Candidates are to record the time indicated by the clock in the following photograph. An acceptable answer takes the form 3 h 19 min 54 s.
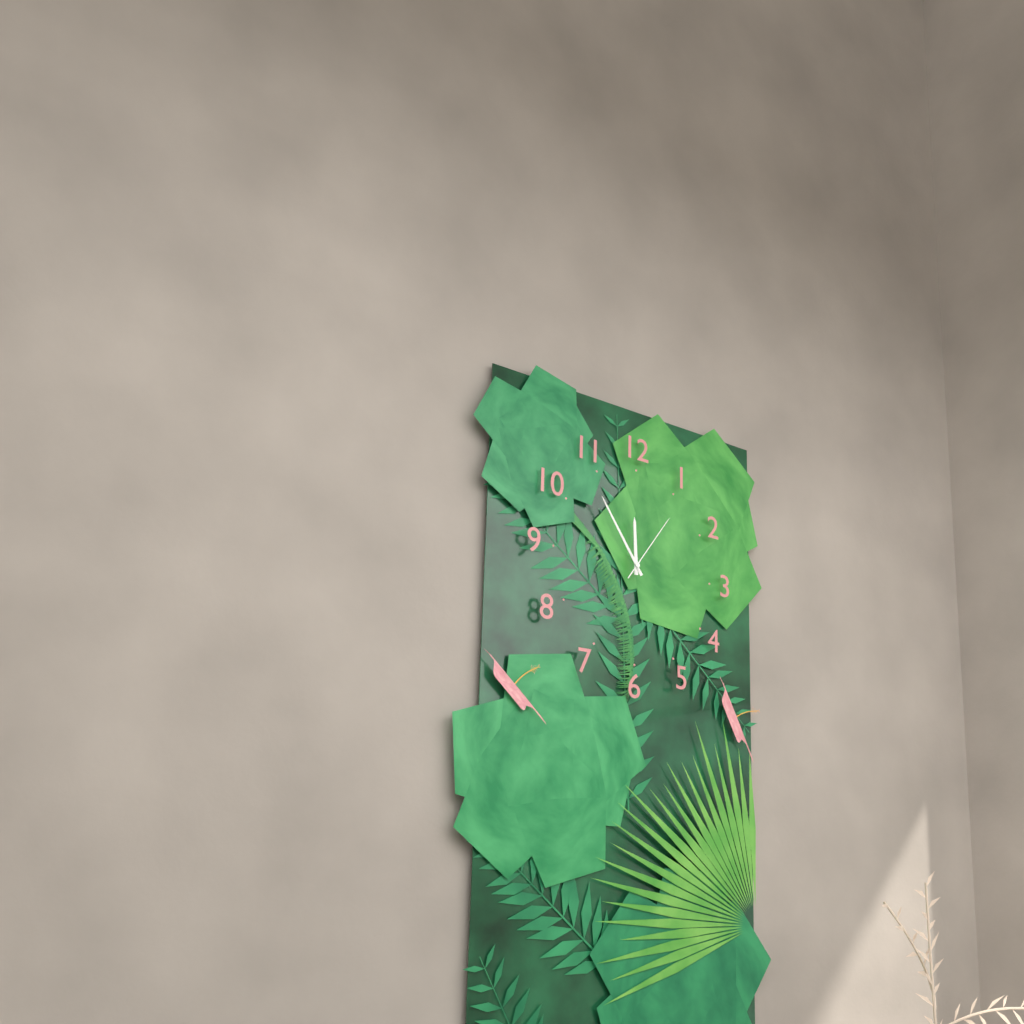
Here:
11 h 54 min 06 s
